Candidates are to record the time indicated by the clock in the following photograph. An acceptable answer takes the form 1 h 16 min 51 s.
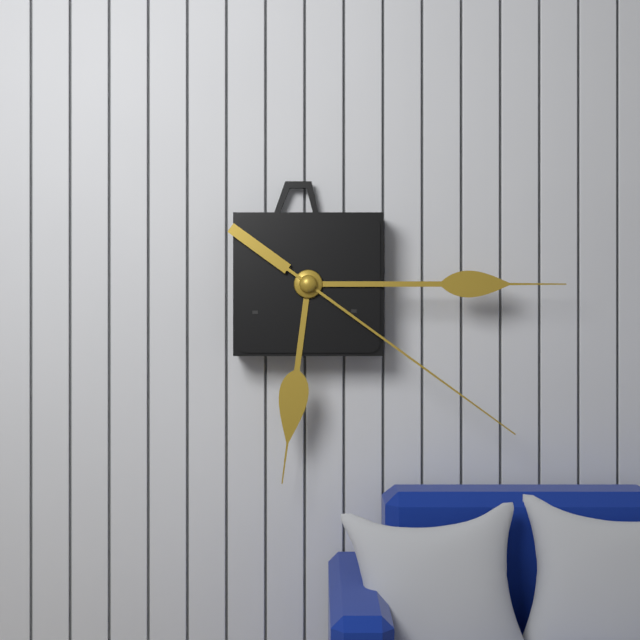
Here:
6 h 15 min 21 s
